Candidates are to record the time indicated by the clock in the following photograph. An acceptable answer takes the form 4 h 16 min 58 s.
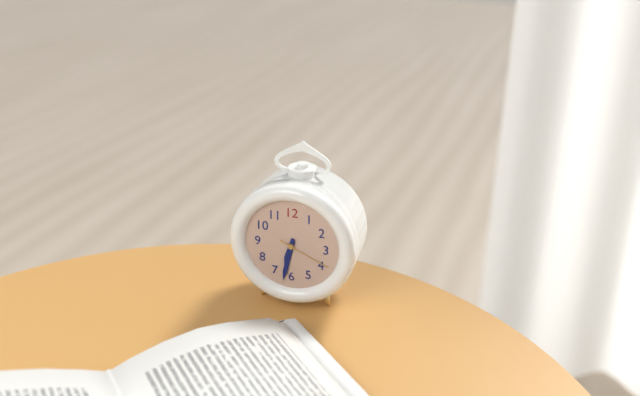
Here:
6 h 32 min 19 s
